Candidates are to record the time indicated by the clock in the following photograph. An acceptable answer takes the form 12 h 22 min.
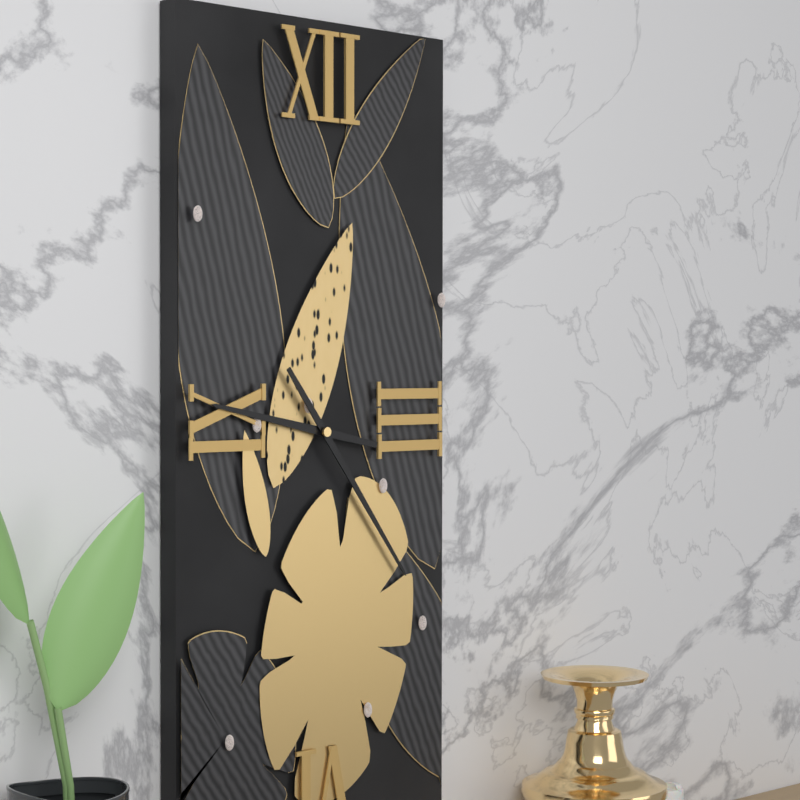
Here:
9 h 24 min
